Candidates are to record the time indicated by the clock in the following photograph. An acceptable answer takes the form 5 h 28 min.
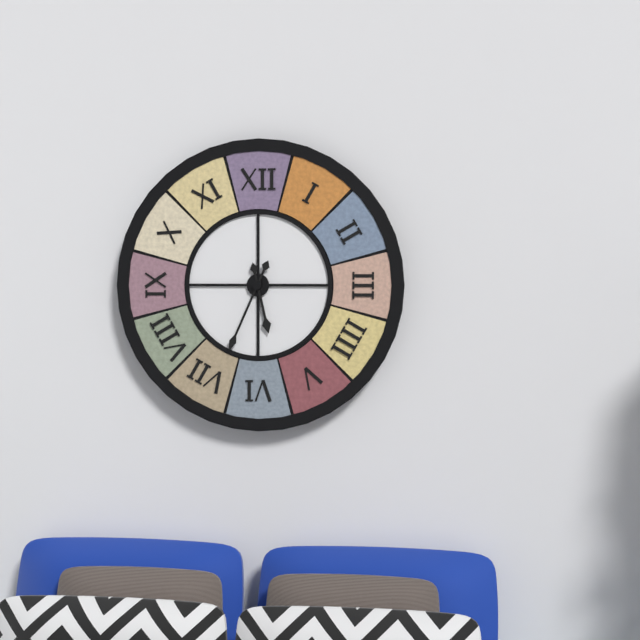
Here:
5 h 34 min
